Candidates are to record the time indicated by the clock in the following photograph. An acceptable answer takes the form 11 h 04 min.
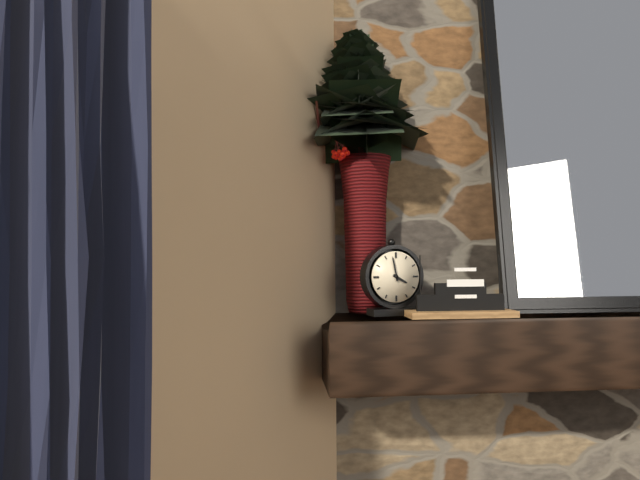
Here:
3 h 58 min
